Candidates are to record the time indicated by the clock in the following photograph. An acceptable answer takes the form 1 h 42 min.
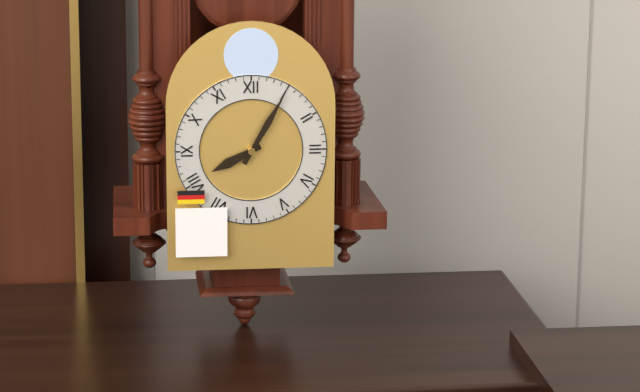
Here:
8 h 05 min
